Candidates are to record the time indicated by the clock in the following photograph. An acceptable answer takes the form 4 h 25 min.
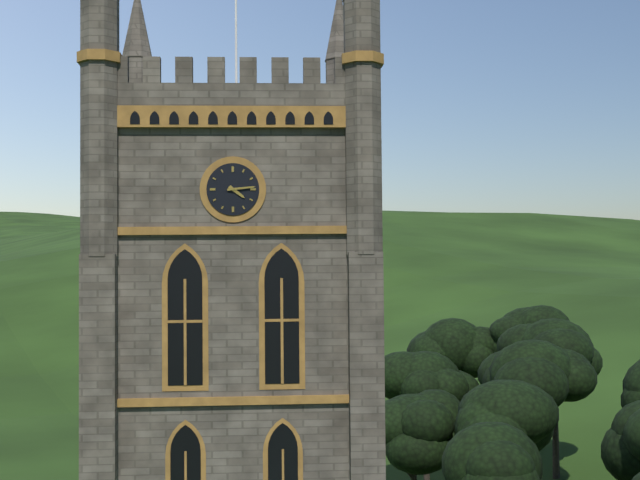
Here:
4 h 14 min
